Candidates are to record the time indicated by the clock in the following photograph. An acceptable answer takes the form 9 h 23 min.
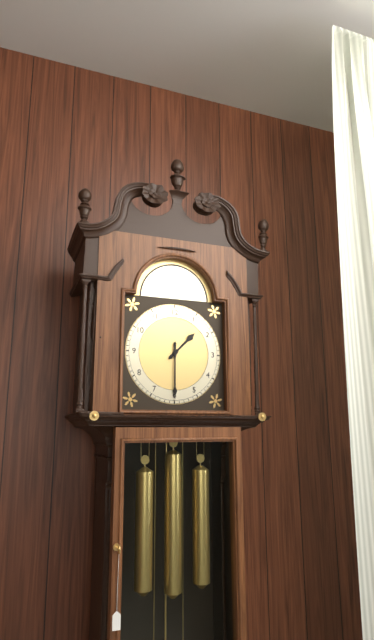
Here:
1 h 30 min
